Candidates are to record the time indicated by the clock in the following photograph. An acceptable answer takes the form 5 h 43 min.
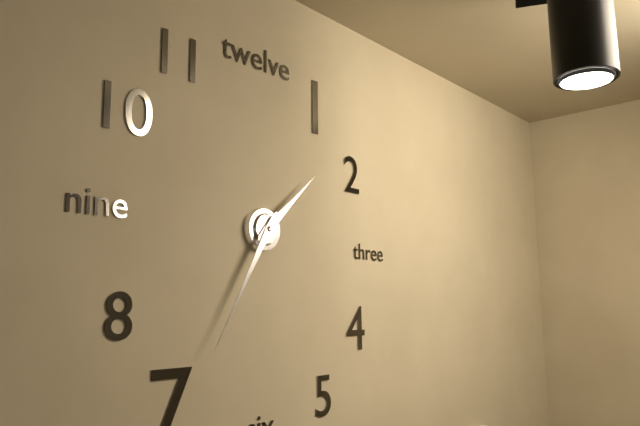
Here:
1 h 35 min
